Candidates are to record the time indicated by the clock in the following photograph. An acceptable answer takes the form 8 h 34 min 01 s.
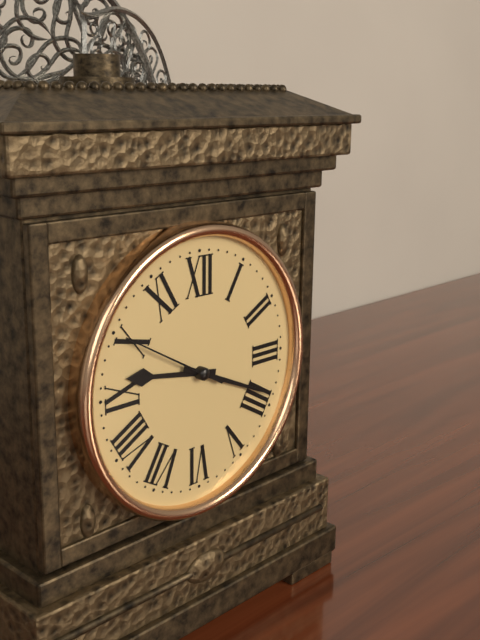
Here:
9 h 19 min 50 s
